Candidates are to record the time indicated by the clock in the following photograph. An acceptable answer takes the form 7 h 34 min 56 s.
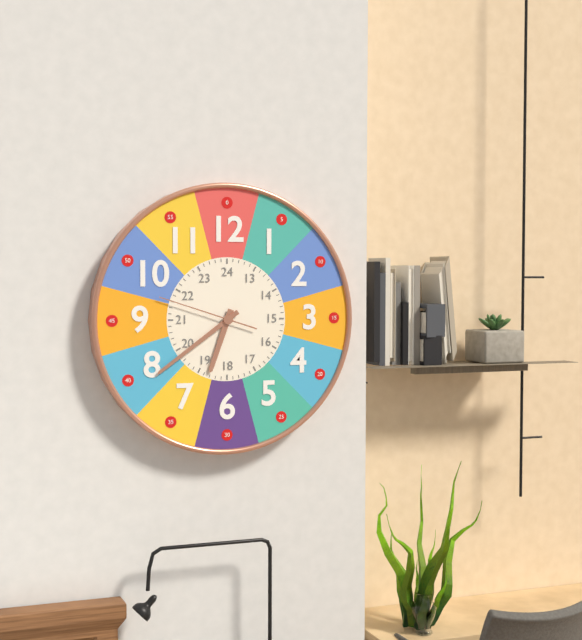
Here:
6 h 39 min 48 s
